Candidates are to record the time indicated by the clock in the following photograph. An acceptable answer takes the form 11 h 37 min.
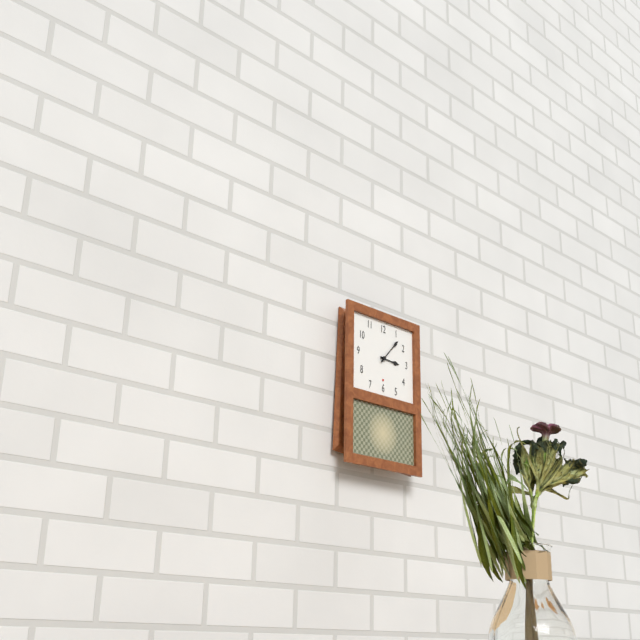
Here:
3 h 07 min
